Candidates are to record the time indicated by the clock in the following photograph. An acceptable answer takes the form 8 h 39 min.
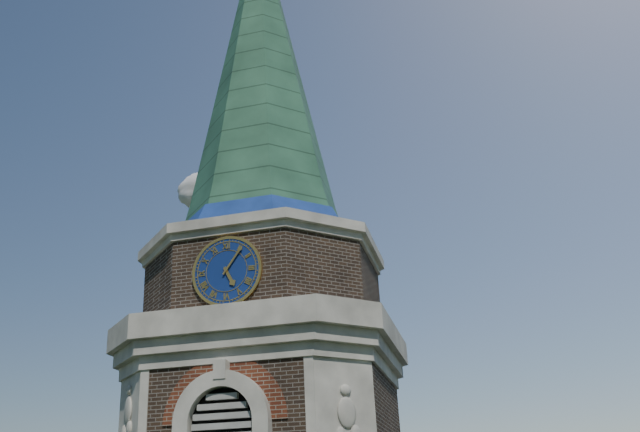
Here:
5 h 06 min
